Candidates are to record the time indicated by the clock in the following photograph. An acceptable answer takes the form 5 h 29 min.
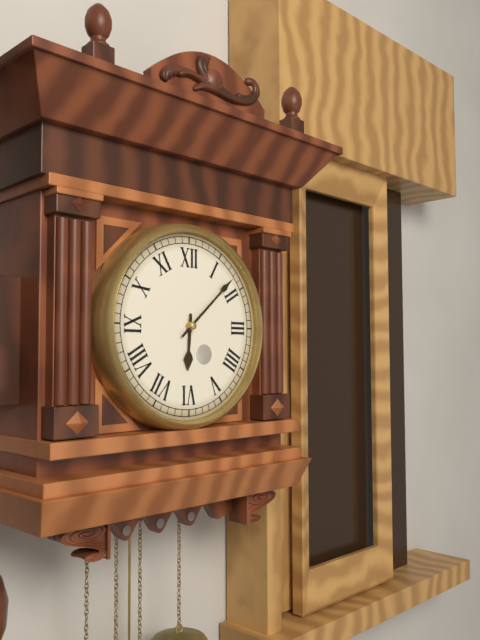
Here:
6 h 08 min
